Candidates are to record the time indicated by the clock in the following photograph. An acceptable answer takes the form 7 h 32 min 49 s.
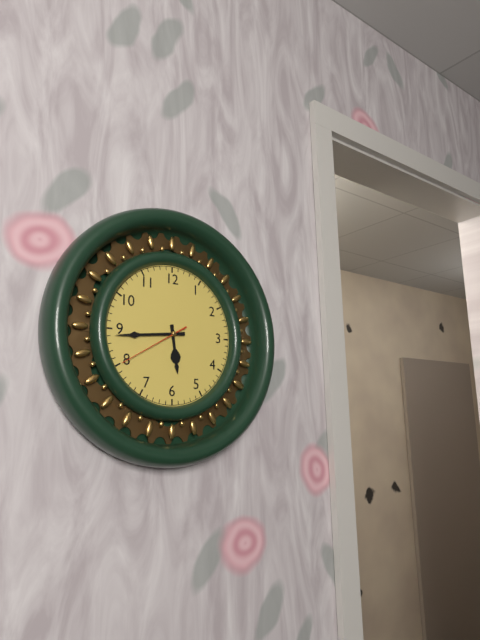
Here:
5 h 44 min 40 s
